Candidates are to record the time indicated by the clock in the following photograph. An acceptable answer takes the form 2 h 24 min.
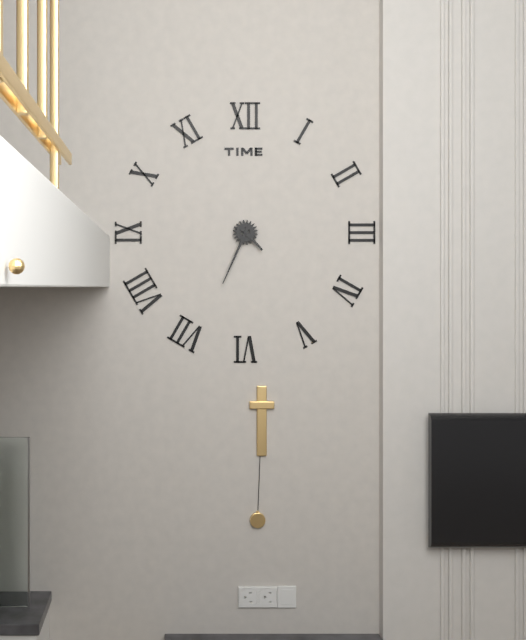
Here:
4 h 34 min
